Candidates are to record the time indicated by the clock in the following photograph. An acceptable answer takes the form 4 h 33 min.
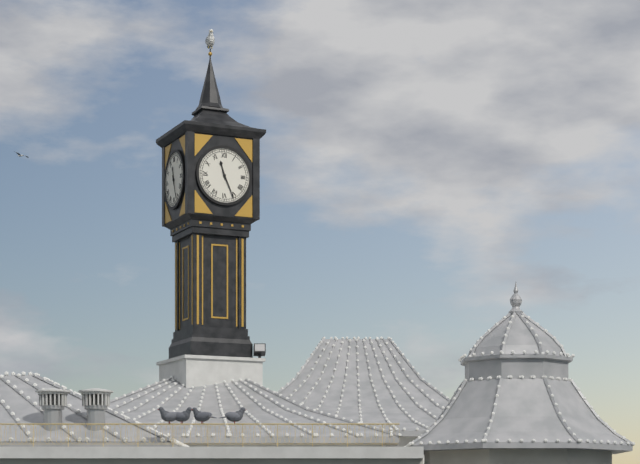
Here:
11 h 26 min
